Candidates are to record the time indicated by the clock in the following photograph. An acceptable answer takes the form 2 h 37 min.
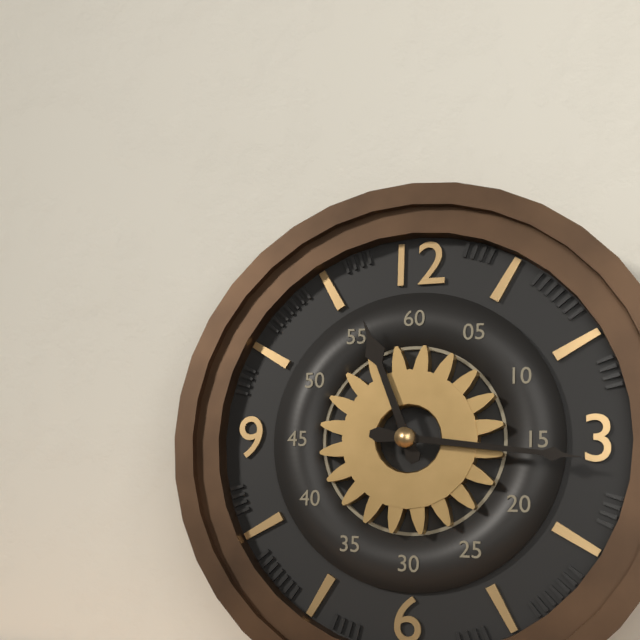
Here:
11 h 16 min
